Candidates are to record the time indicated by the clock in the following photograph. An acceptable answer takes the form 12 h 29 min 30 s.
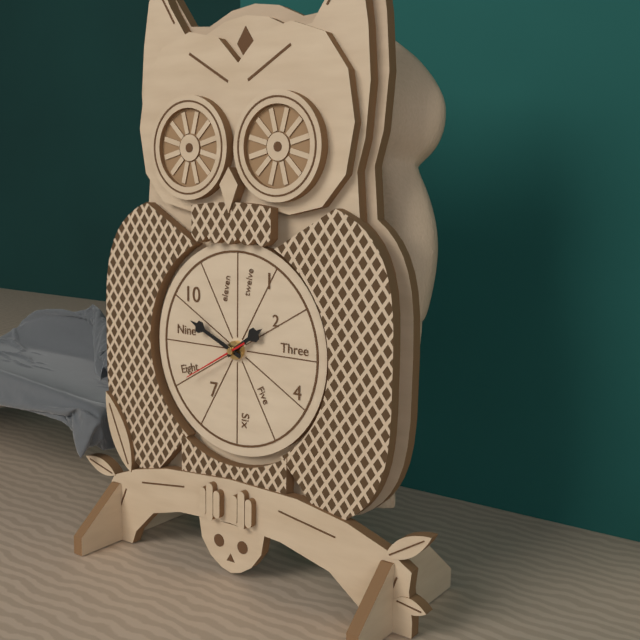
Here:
1 h 49 min 40 s
